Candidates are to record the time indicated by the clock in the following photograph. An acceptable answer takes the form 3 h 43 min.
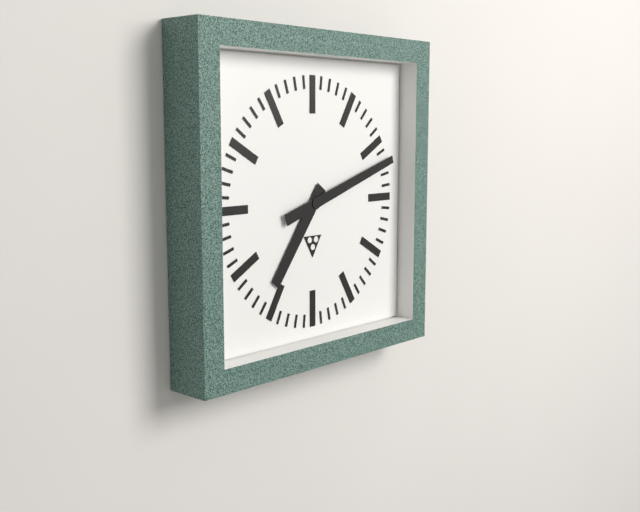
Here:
7 h 12 min
